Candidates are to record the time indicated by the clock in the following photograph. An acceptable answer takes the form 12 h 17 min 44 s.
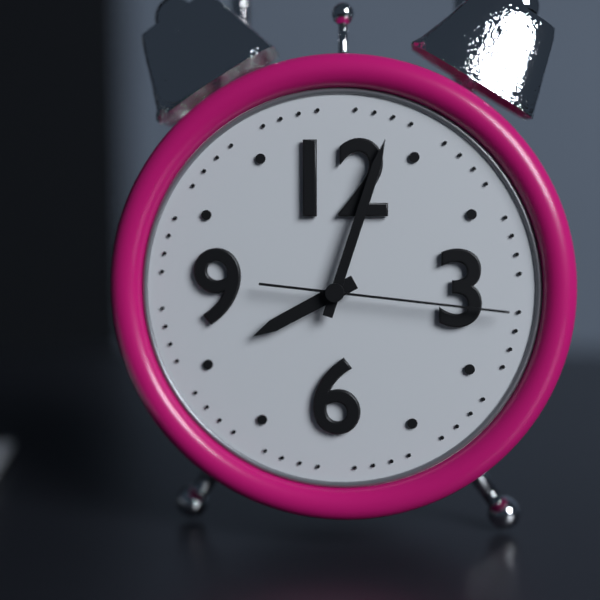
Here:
8 h 03 min 16 s
